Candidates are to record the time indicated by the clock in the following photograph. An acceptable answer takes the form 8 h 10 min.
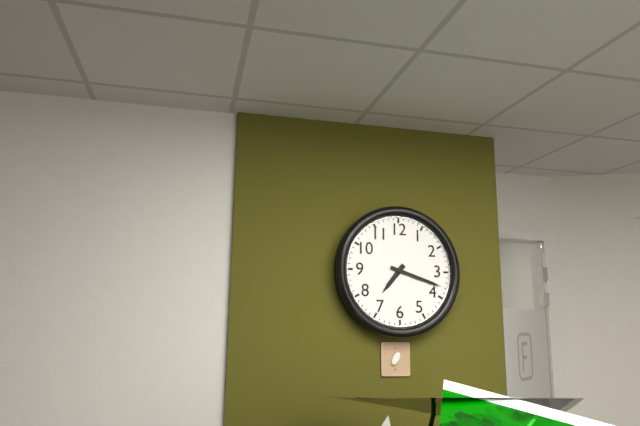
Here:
7 h 18 min
